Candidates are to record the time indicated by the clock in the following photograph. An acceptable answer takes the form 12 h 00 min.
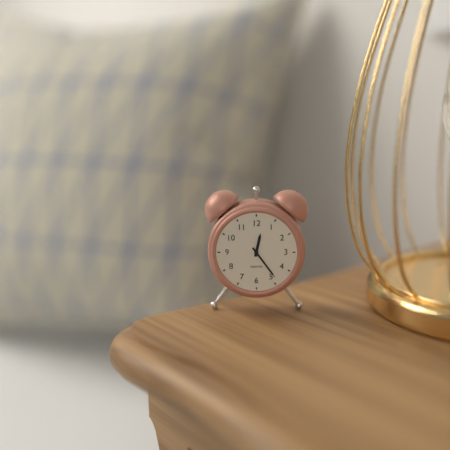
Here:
12 h 24 min
